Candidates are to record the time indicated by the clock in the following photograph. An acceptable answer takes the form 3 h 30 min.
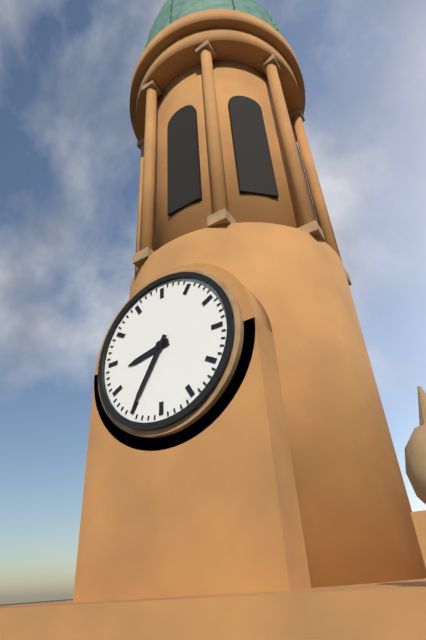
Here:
8 h 35 min
